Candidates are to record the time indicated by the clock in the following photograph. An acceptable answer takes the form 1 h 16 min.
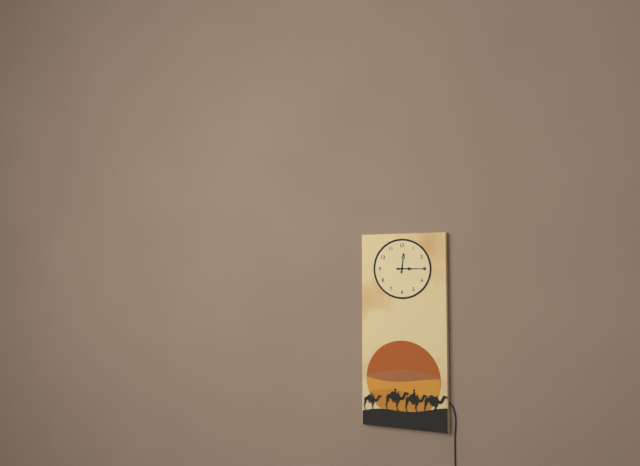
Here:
12 h 15 min
